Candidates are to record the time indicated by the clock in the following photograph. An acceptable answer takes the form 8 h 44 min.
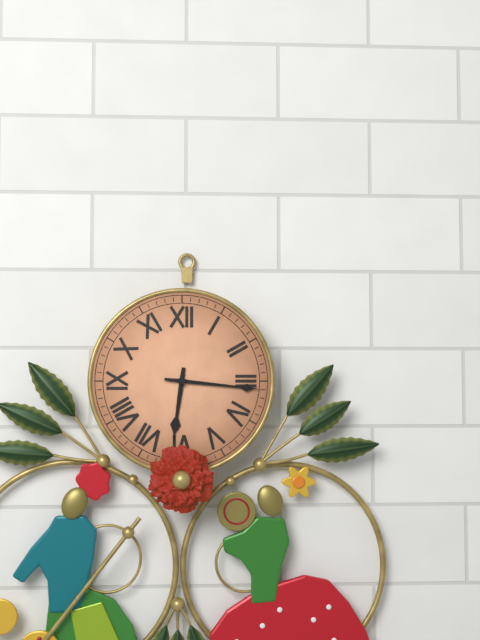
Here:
6 h 16 min
